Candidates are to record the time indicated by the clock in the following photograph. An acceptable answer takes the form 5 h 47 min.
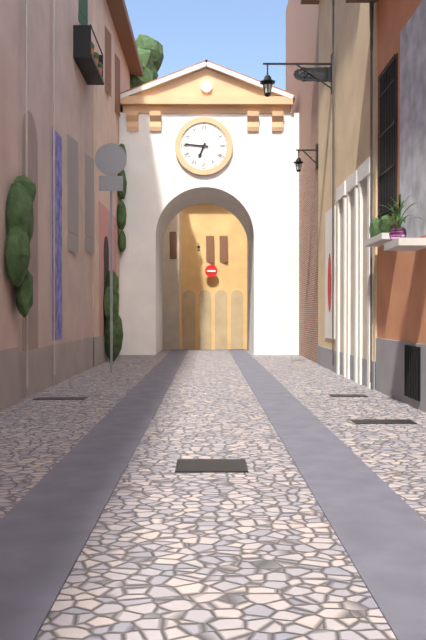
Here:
6 h 46 min
